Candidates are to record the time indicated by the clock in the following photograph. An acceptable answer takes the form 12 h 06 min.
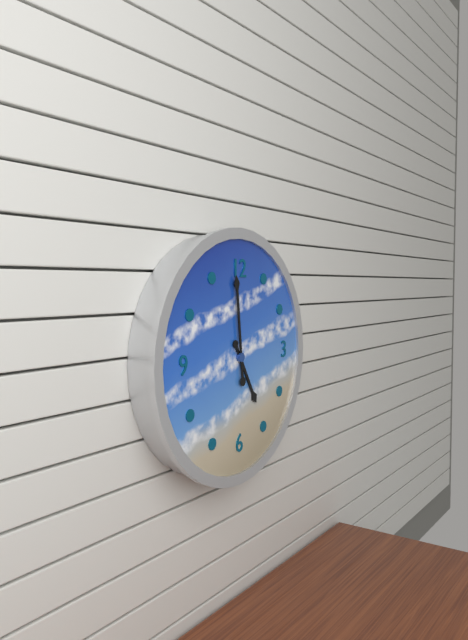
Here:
4 h 59 min
